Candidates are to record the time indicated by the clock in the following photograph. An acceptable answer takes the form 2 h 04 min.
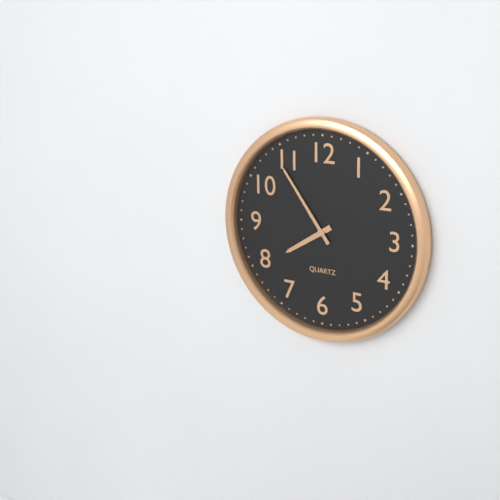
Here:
7 h 54 min
